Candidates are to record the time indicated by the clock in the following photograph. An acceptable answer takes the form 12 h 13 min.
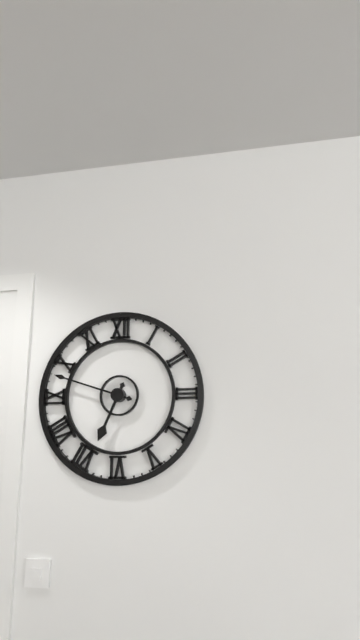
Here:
6 h 48 min
